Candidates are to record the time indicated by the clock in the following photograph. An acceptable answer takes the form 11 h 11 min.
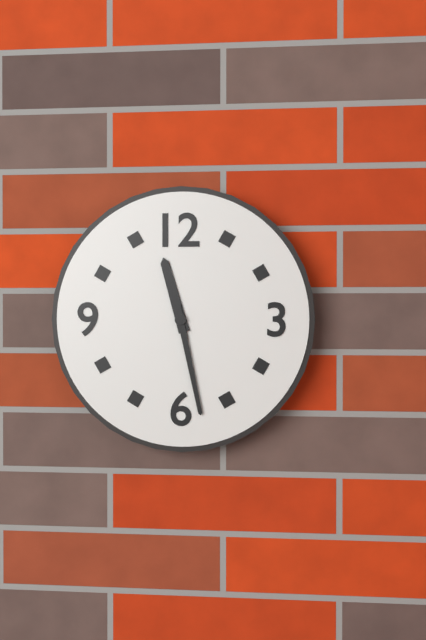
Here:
11 h 28 min
